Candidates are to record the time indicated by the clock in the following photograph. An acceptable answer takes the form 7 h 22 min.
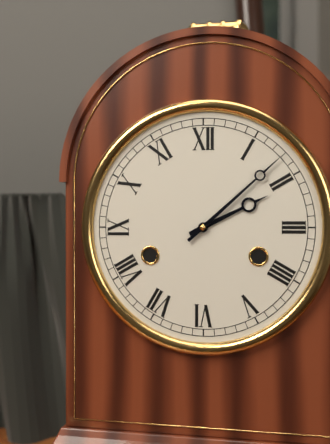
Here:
2 h 08 min
